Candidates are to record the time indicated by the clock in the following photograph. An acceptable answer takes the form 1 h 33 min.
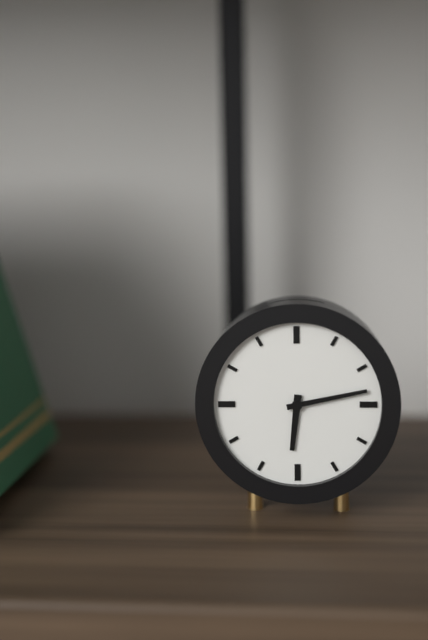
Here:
6 h 13 min
